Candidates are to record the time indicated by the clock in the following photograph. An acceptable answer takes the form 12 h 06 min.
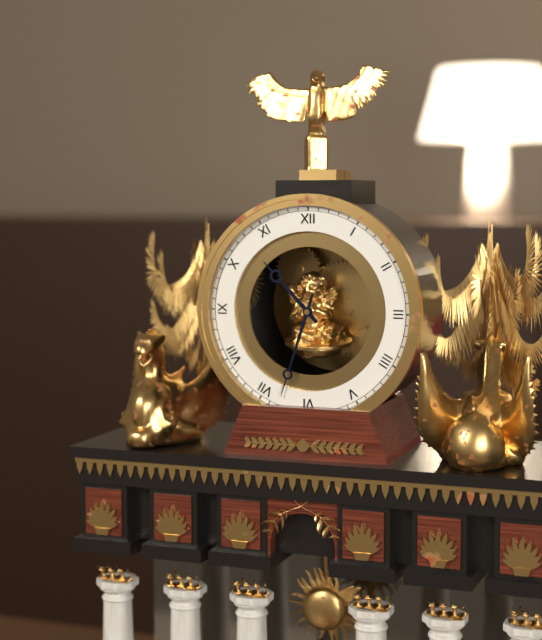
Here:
10 h 33 min
